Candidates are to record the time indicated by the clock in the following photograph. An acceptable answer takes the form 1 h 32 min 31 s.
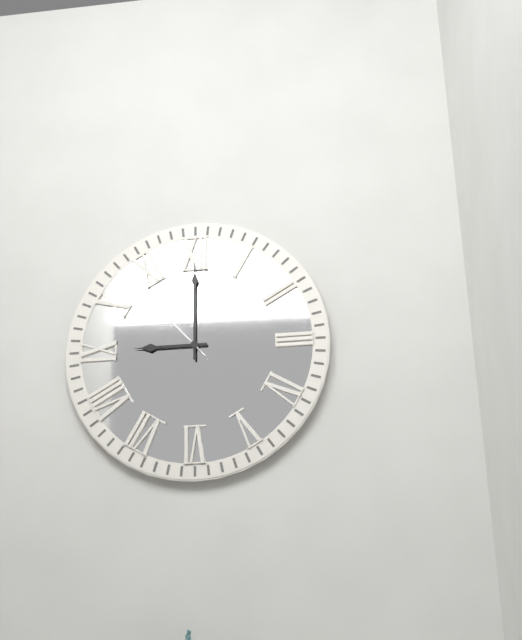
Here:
9 h 00 min 53 s
